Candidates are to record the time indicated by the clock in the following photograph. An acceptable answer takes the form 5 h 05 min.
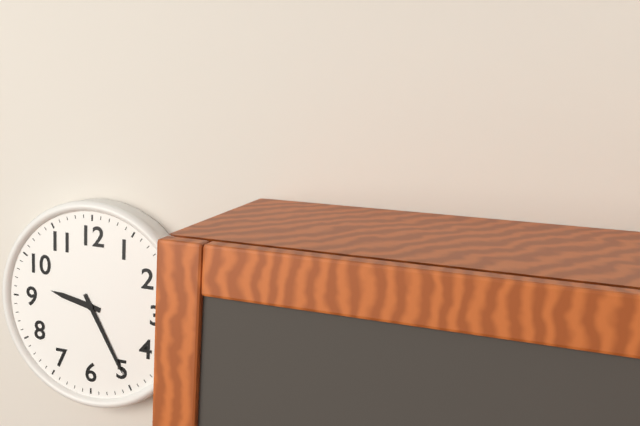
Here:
9 h 25 min
